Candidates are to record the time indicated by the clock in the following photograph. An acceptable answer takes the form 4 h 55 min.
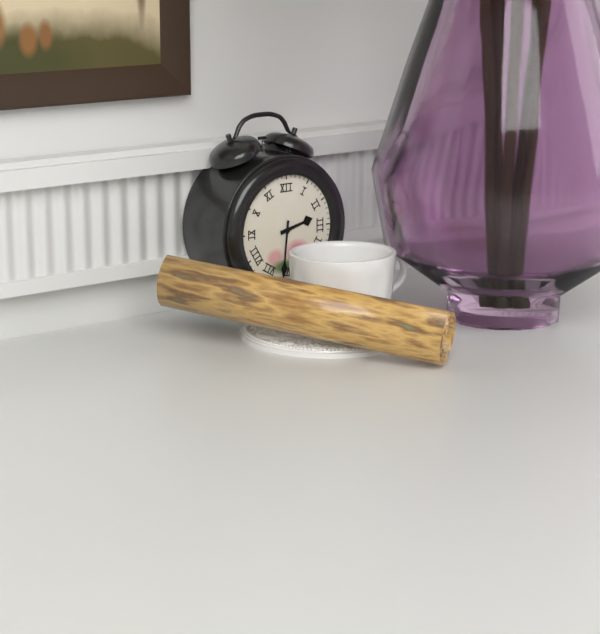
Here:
2 h 31 min
